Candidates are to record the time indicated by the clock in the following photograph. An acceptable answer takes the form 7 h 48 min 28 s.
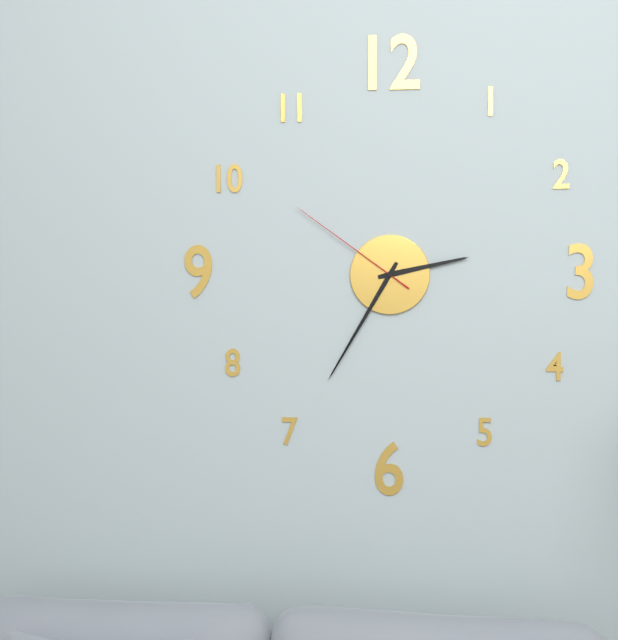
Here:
2 h 35 min 51 s
